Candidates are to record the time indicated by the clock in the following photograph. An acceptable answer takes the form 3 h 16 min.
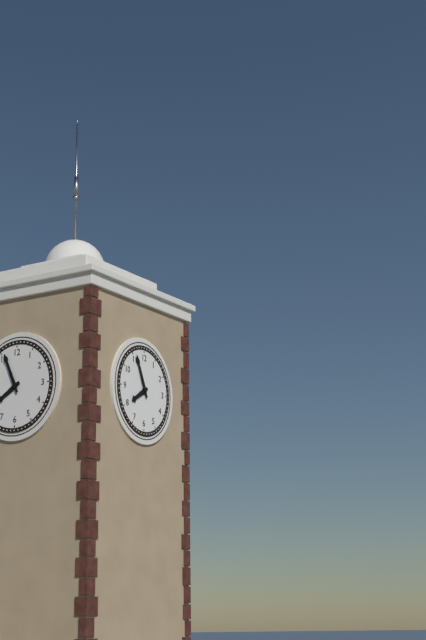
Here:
7 h 56 min
